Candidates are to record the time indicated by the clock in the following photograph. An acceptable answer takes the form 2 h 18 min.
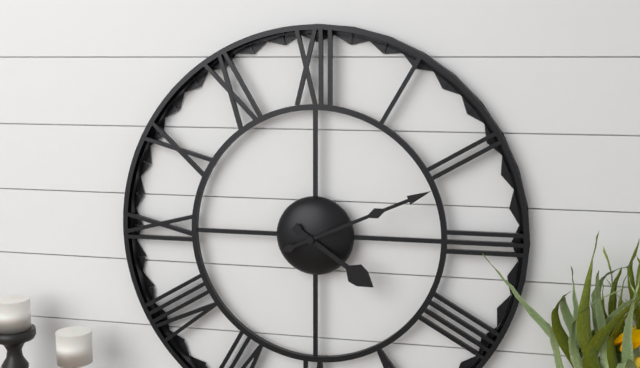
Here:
4 h 11 min
